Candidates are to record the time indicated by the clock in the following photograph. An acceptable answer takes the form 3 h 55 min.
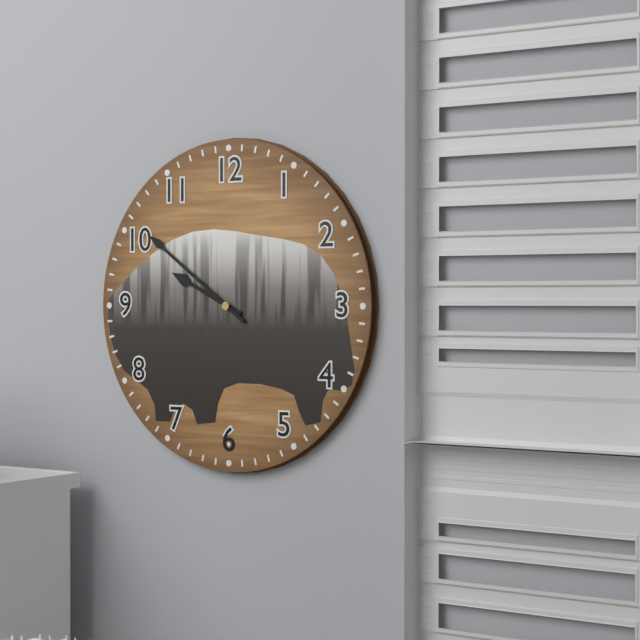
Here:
9 h 51 min
